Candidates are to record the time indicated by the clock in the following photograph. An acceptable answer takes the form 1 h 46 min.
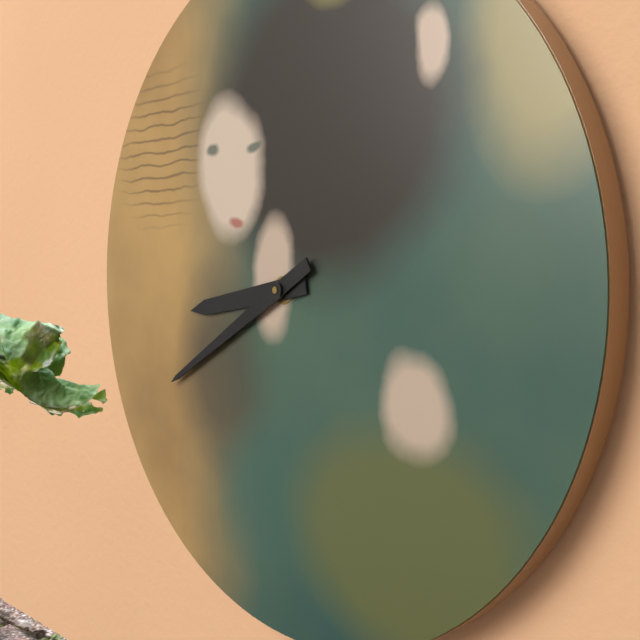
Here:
8 h 40 min
